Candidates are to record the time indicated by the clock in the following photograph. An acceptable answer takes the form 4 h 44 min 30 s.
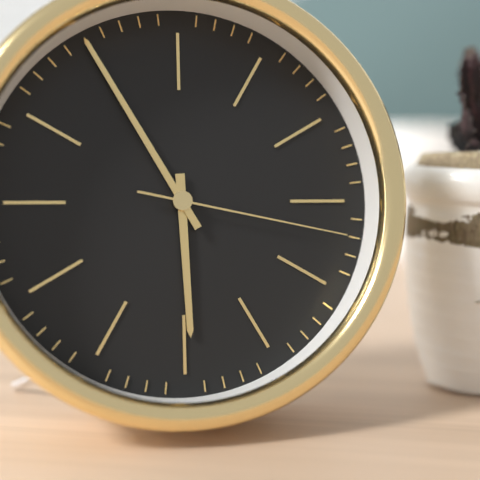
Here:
5 h 55 min 17 s
